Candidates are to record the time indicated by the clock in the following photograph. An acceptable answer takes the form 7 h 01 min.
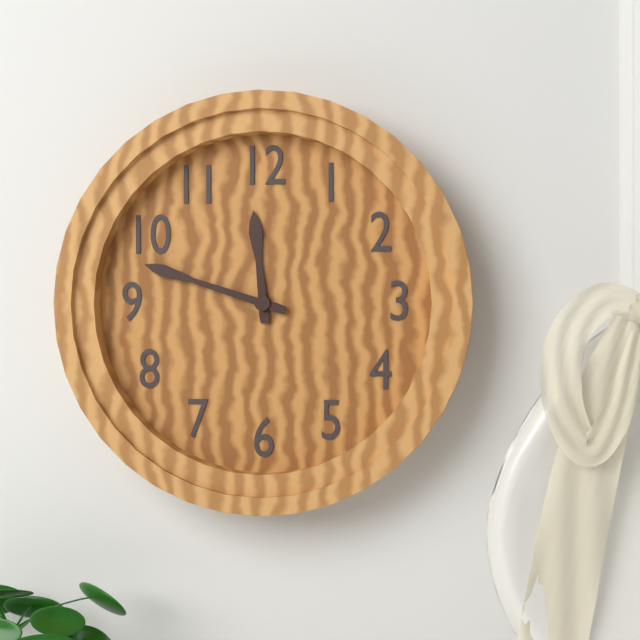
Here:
11 h 48 min
